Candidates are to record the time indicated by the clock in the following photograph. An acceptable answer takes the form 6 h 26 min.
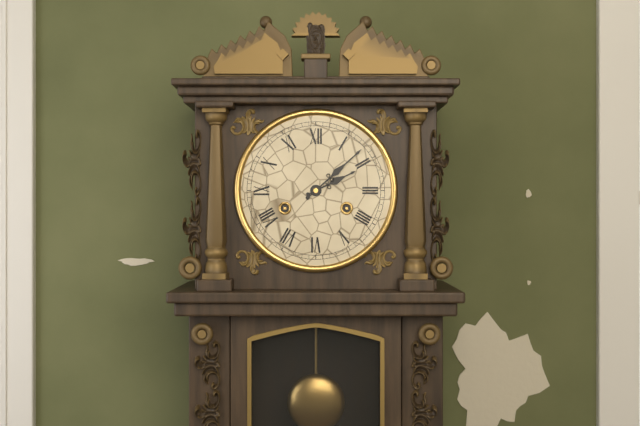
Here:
2 h 08 min
